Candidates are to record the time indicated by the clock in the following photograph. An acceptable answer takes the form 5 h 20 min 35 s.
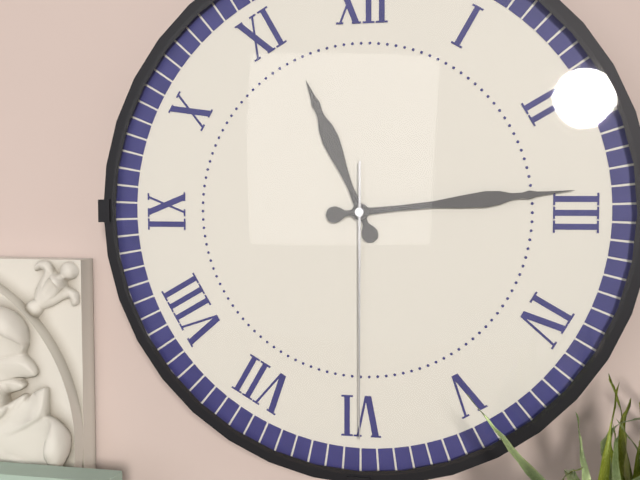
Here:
11 h 14 min 30 s
